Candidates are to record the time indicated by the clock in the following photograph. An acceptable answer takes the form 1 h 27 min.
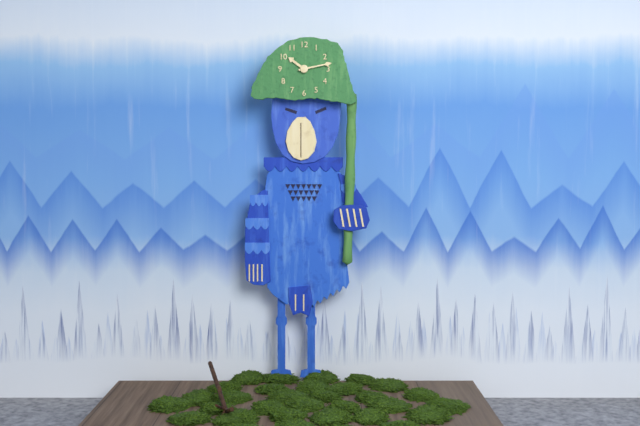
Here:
10 h 13 min
